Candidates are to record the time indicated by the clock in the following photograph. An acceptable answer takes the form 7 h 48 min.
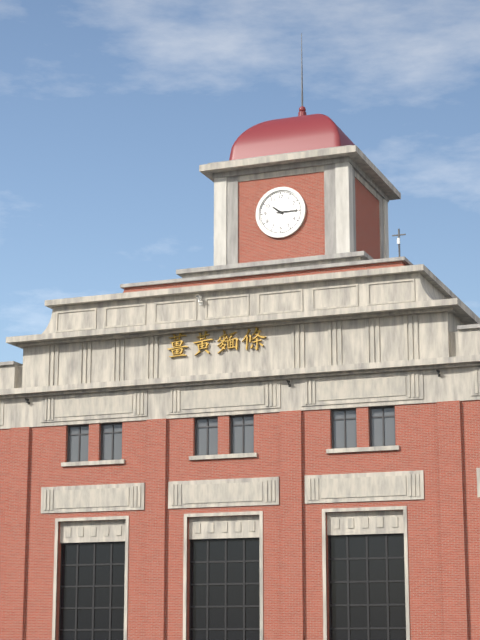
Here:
10 h 15 min
